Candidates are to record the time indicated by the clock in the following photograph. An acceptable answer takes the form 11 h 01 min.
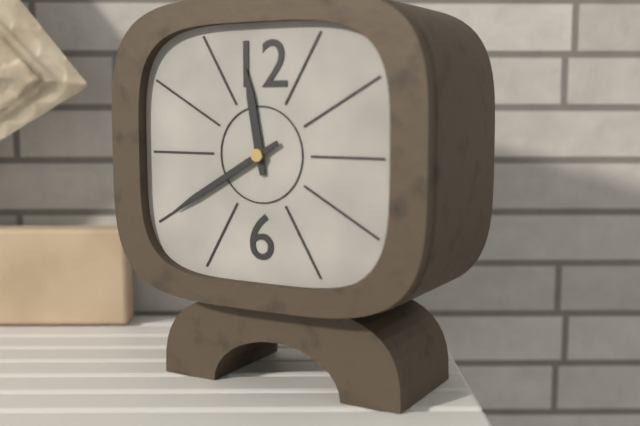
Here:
11 h 40 min
